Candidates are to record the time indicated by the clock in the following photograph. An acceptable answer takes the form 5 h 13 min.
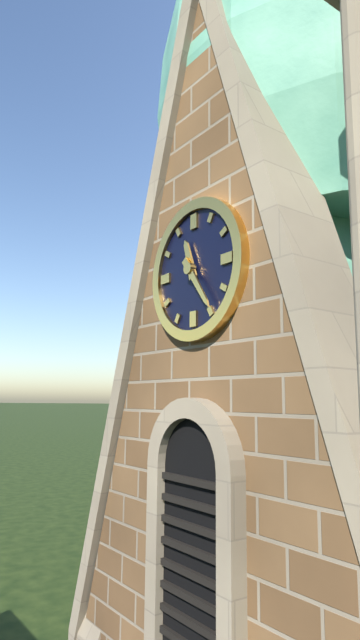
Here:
11 h 24 min
